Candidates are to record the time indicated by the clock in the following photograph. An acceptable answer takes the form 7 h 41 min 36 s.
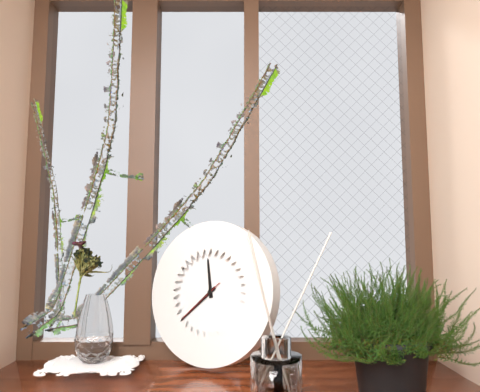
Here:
11 h 38 min 38 s
